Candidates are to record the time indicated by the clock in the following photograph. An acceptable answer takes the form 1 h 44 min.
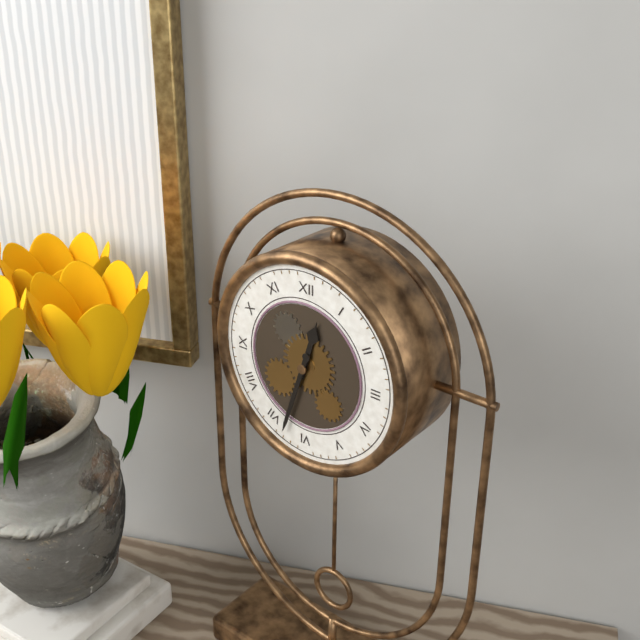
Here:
12 h 33 min
